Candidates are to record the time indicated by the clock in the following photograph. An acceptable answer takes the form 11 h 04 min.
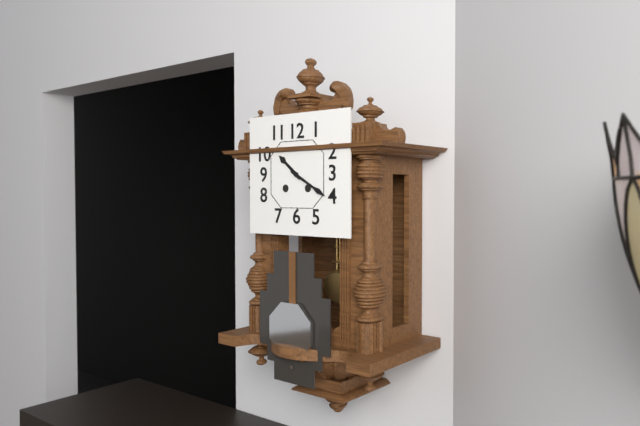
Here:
10 h 20 min
